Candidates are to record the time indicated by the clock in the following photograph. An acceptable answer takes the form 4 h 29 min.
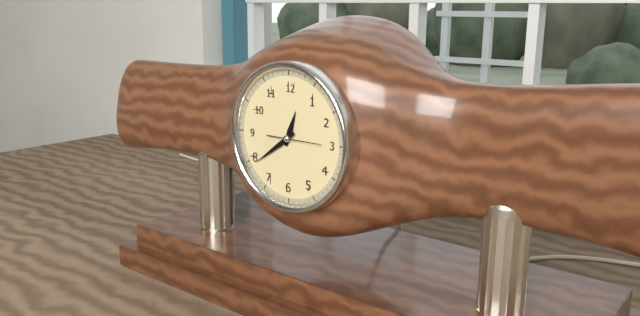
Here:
12 h 39 min
